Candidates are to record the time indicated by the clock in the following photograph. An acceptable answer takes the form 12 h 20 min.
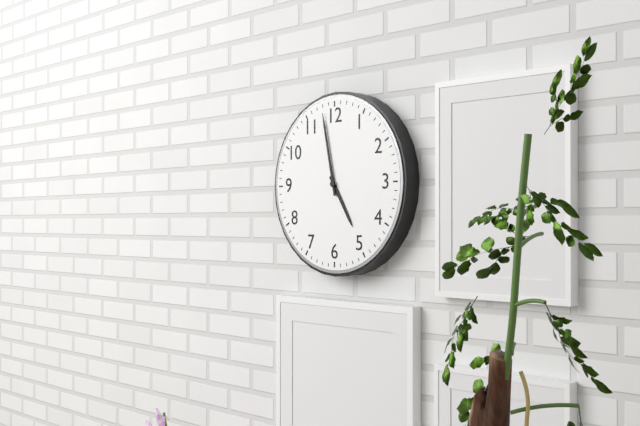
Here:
4 h 58 min
